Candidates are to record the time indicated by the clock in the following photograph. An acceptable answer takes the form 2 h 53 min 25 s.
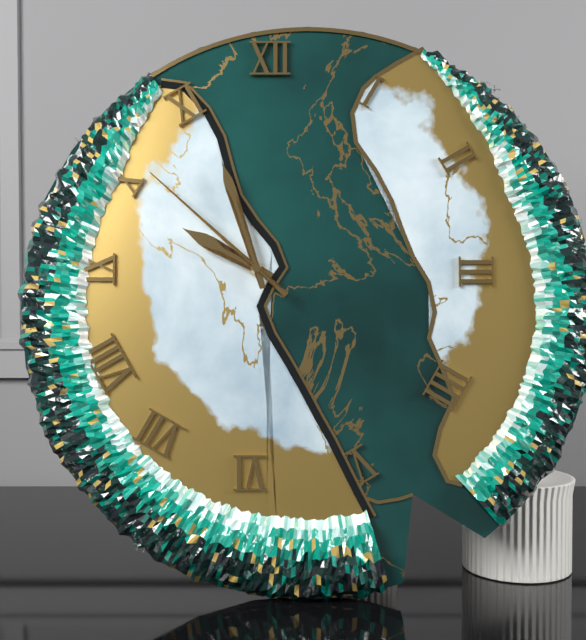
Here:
9 h 57 min 52 s
